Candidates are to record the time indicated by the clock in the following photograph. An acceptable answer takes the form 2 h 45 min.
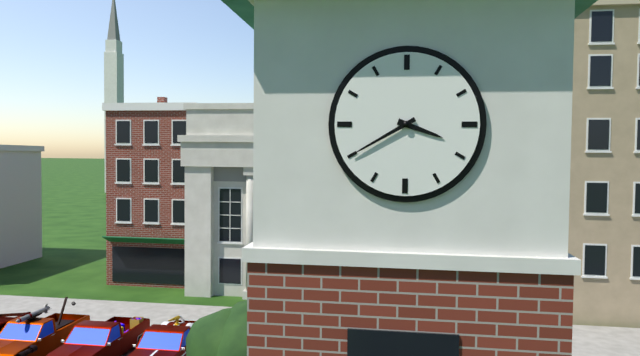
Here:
3 h 40 min
